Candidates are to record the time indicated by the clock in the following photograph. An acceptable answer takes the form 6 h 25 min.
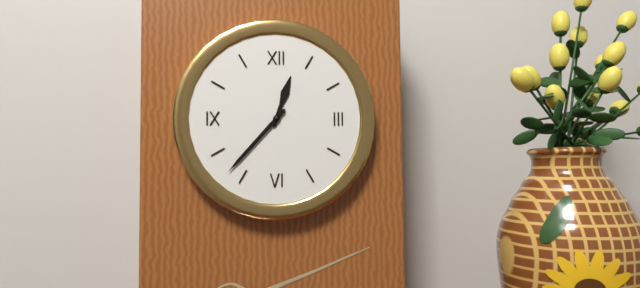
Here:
12 h 37 min
